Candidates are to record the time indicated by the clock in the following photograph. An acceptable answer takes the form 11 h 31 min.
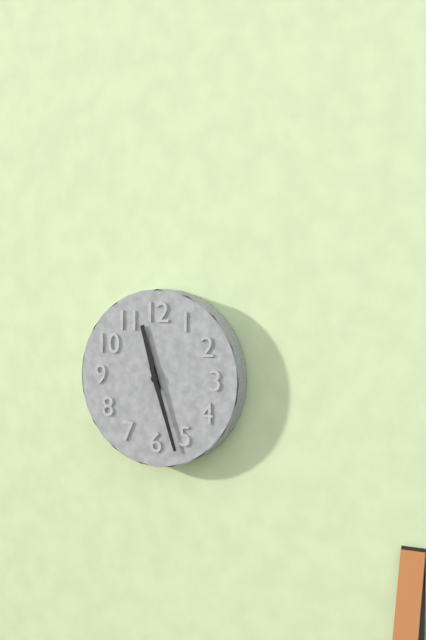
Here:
11 h 27 min
